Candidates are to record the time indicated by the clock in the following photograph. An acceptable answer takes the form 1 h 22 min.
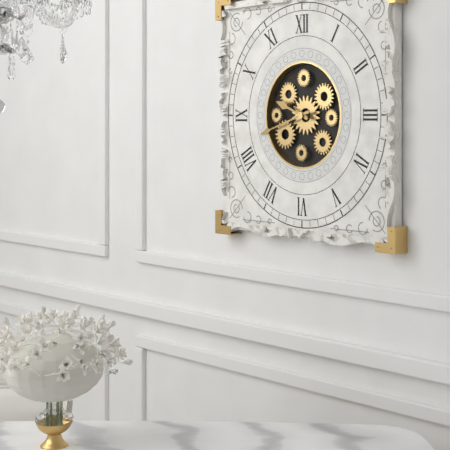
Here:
9 h 42 min
